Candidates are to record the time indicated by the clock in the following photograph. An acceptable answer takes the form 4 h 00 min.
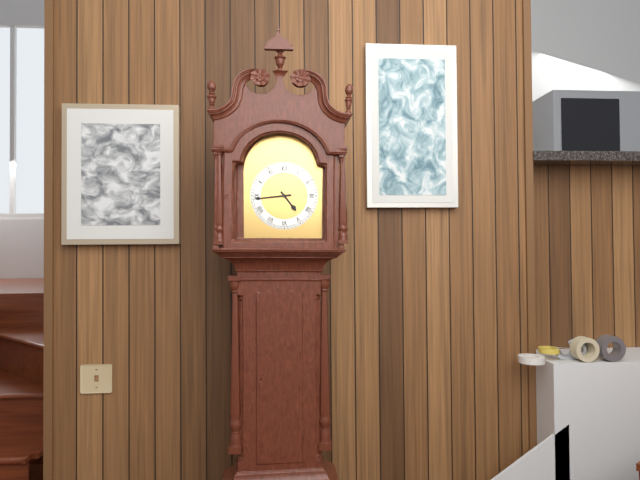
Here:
4 h 44 min
